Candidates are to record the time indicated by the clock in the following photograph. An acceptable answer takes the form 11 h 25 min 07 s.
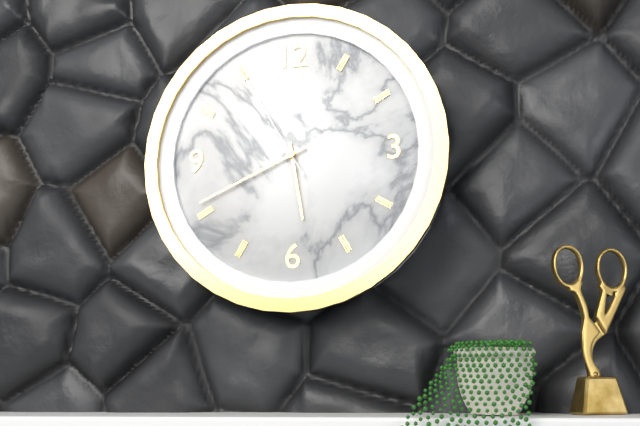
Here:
5 h 41 min 55 s
